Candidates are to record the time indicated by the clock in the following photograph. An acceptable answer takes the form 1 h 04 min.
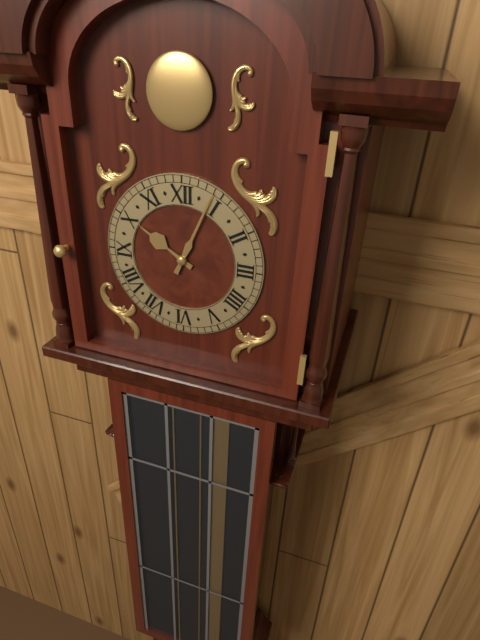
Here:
10 h 04 min
